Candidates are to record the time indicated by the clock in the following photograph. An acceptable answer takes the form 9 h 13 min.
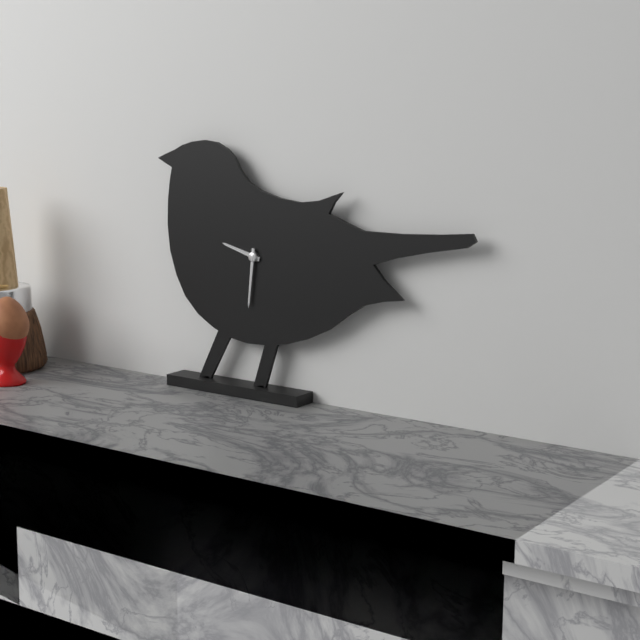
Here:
9 h 31 min
